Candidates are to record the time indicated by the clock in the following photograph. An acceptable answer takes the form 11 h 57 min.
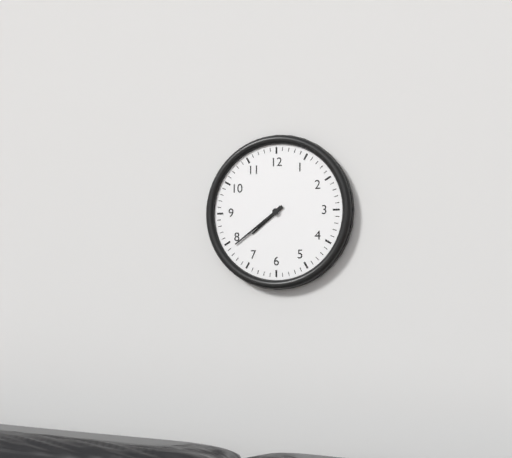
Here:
7 h 39 min
